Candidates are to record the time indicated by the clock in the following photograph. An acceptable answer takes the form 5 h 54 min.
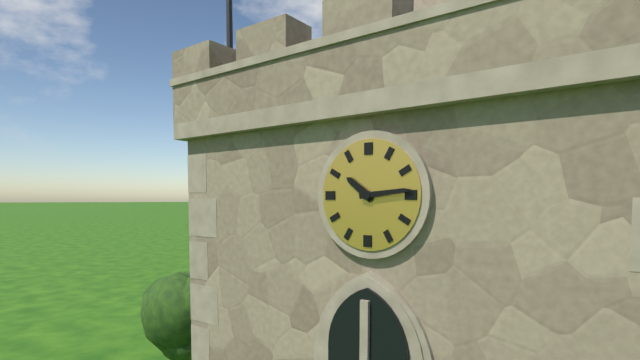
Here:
10 h 14 min
